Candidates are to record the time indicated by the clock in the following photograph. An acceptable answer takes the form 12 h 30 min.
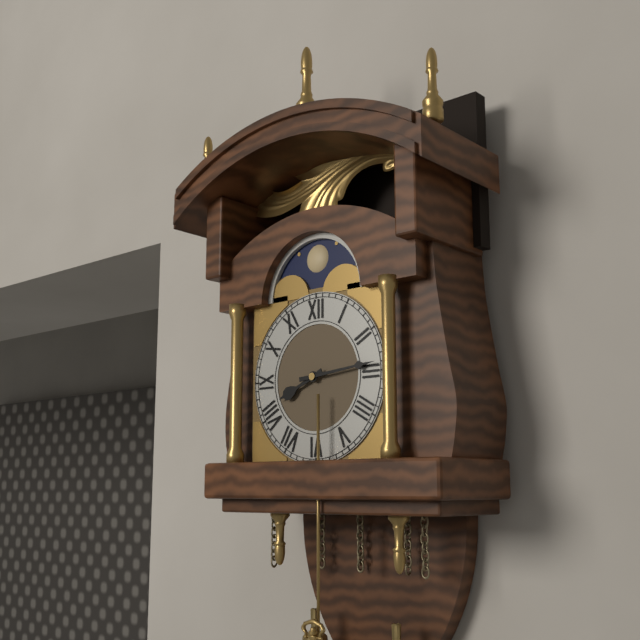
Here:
8 h 14 min
